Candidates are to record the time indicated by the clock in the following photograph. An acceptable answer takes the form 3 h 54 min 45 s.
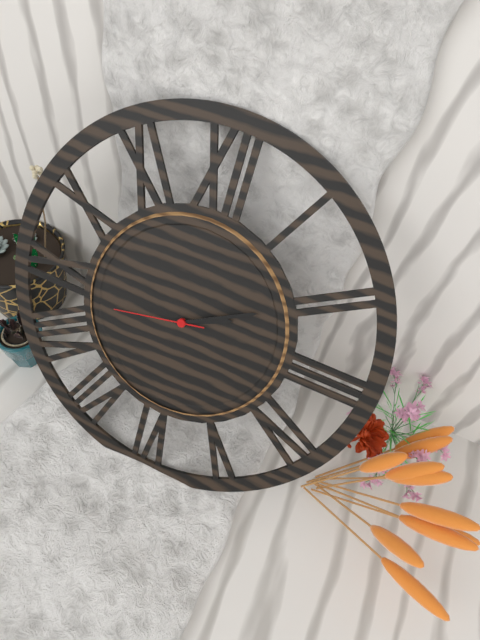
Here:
2 h 10 min 43 s
